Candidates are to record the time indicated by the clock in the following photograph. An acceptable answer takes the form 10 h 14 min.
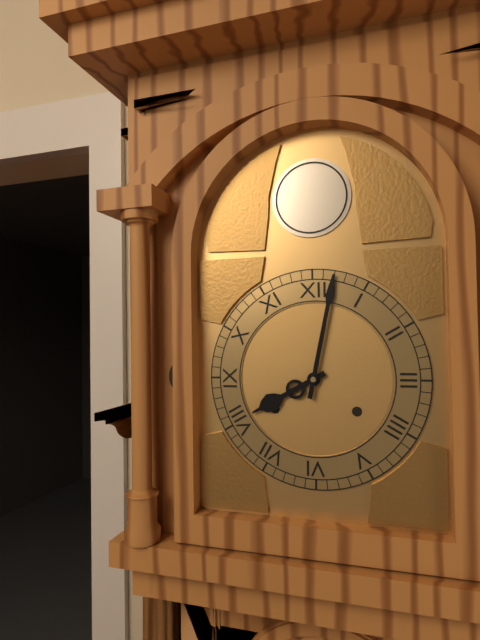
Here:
8 h 02 min
